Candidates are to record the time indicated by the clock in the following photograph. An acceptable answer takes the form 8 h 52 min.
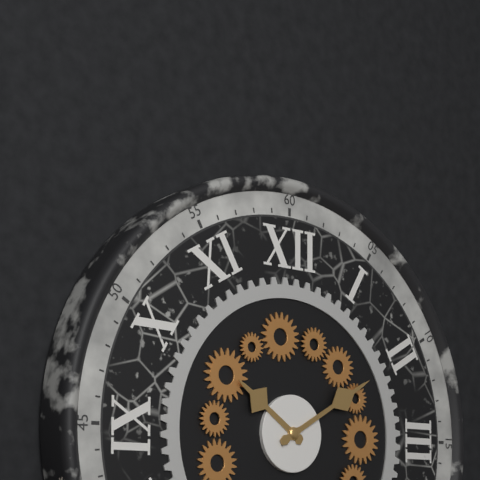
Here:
10 h 10 min
